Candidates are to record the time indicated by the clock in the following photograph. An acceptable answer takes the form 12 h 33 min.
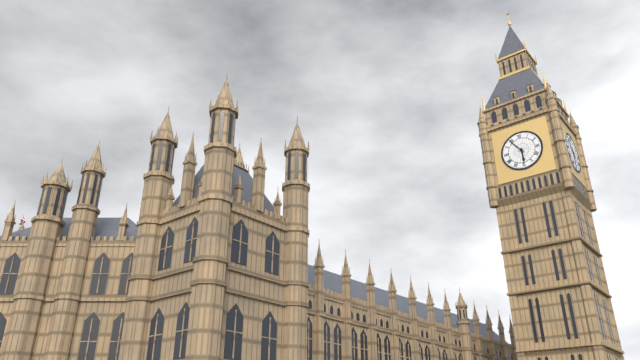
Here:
5 h 54 min
